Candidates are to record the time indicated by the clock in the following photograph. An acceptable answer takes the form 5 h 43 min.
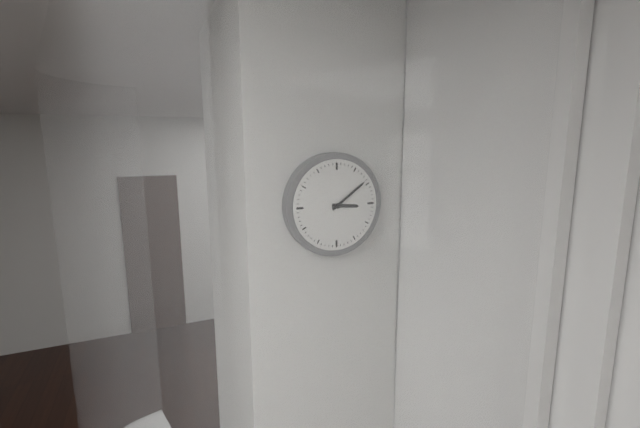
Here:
3 h 09 min
